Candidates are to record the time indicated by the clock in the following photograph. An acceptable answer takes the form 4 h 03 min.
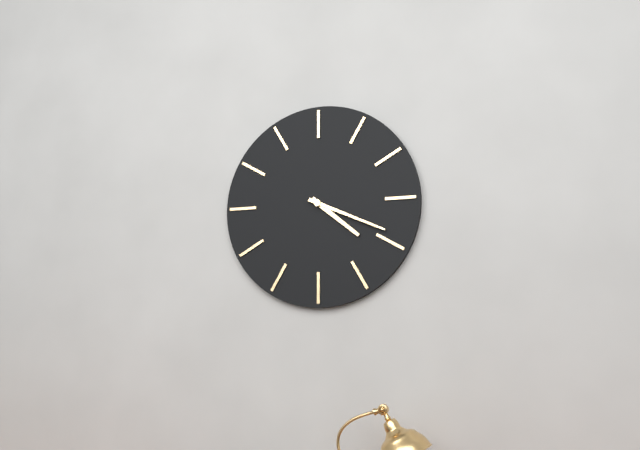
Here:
4 h 19 min
